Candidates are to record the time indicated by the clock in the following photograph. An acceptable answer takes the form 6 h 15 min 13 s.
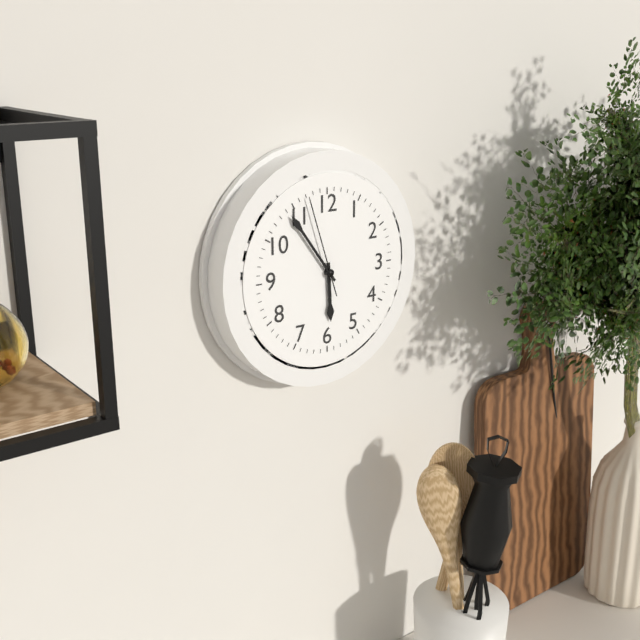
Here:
5 h 54 min 57 s
